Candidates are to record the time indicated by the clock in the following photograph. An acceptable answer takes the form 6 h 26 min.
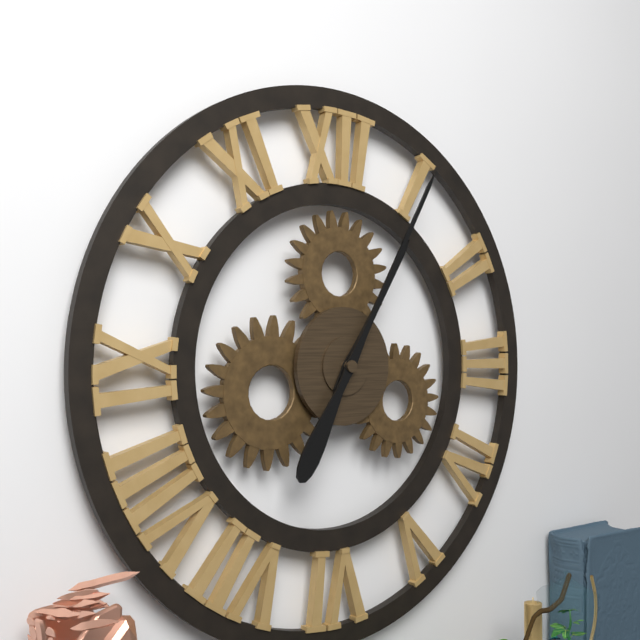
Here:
1 h 05 min
